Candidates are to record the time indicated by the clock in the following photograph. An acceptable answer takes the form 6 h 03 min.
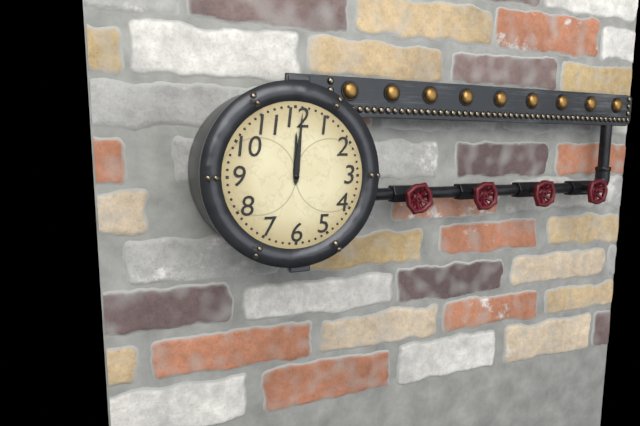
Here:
12 h 01 min
